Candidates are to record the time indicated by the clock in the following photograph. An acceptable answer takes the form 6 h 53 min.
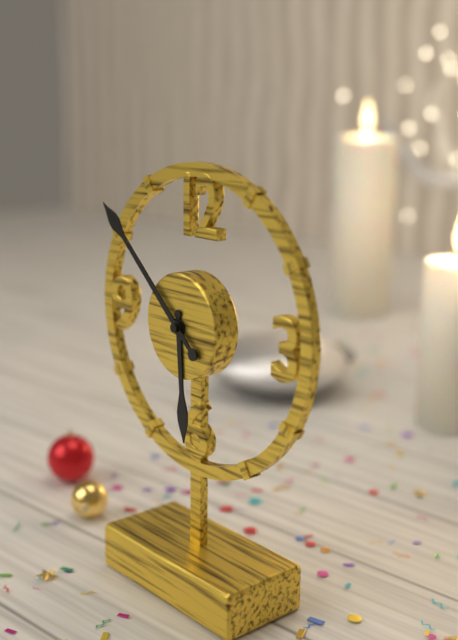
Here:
5 h 52 min
